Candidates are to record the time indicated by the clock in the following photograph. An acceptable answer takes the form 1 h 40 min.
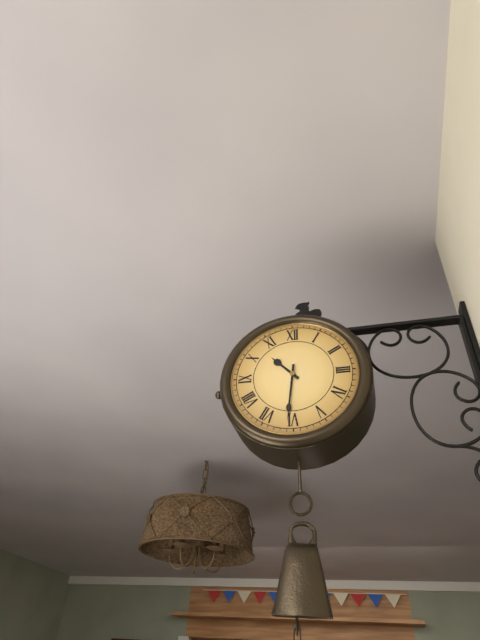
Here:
10 h 31 min
